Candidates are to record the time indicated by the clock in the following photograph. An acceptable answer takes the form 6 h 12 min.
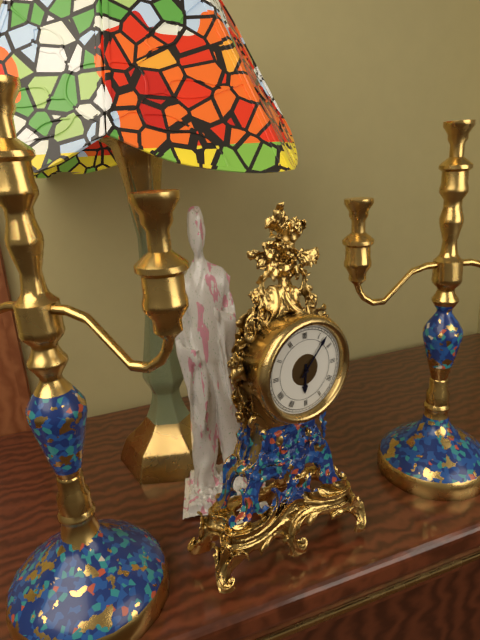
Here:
6 h 07 min
